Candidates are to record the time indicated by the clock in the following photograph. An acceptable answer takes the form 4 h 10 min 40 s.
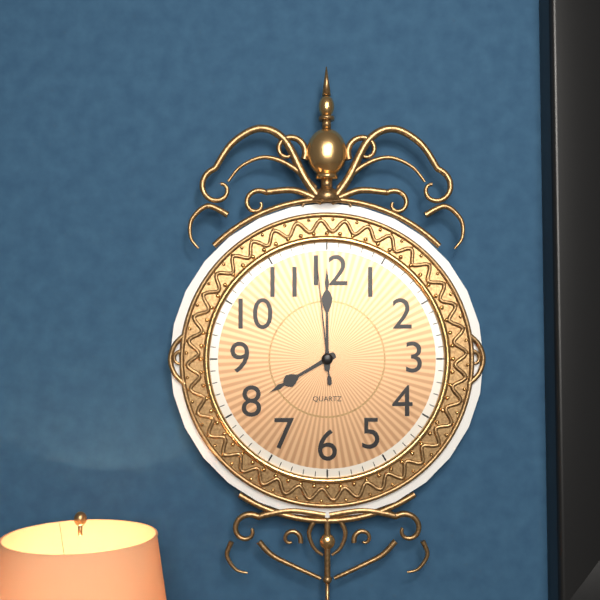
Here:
8 h 00 min 59 s
